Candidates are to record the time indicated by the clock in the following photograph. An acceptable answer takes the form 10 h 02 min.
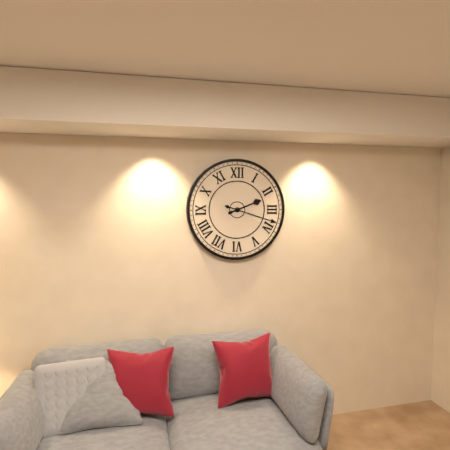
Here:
2 h 18 min
